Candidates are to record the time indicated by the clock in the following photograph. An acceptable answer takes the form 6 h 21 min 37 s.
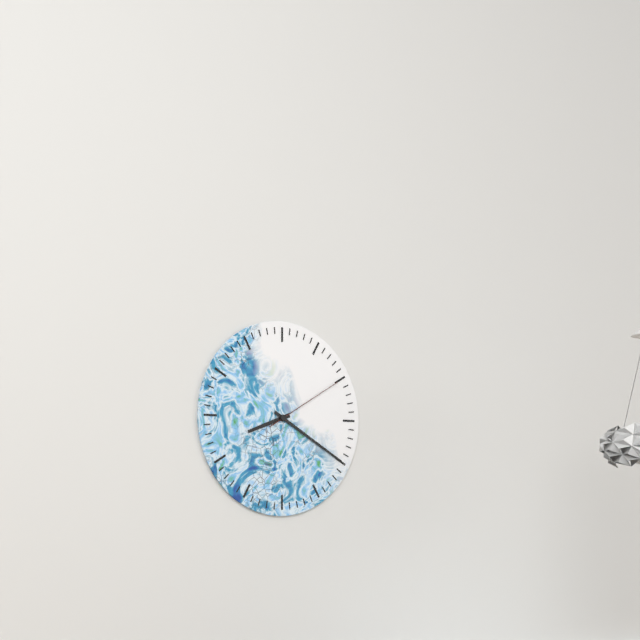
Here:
8 h 20 min 10 s
